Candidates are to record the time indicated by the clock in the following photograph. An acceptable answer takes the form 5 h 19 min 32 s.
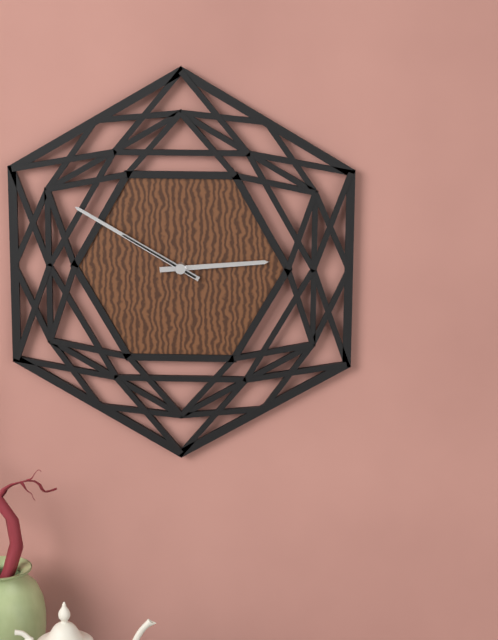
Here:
2 h 50 min 50 s
